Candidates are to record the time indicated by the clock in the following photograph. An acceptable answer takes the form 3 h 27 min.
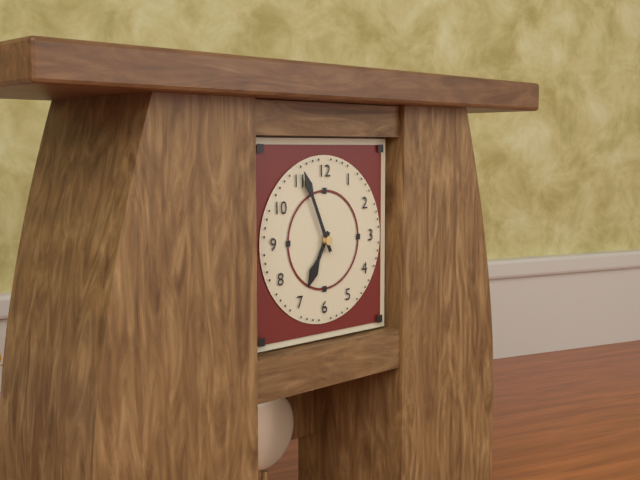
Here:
6 h 56 min
